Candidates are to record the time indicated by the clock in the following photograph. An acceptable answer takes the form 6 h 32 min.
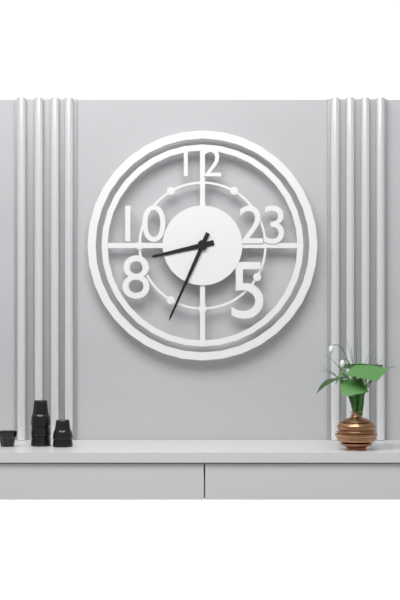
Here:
8 h 34 min
